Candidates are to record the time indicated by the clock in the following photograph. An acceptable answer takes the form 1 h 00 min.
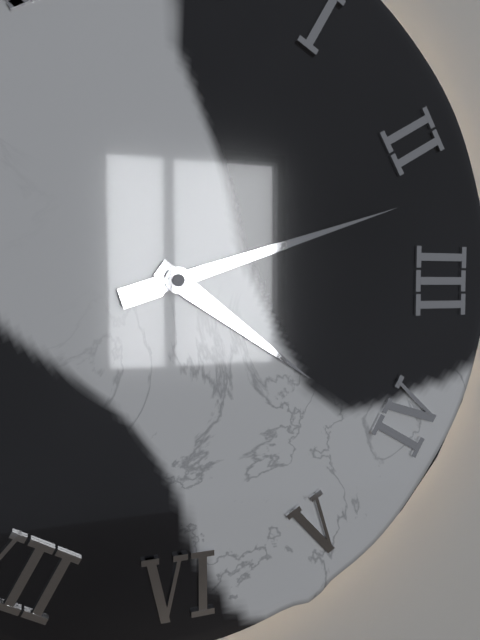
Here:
4 h 12 min
